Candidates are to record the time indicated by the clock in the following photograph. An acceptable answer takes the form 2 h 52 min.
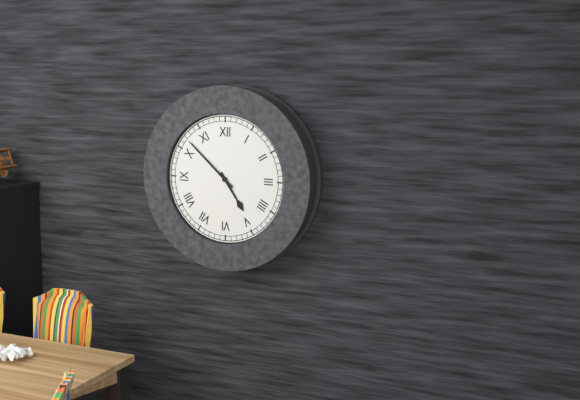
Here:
4 h 52 min
